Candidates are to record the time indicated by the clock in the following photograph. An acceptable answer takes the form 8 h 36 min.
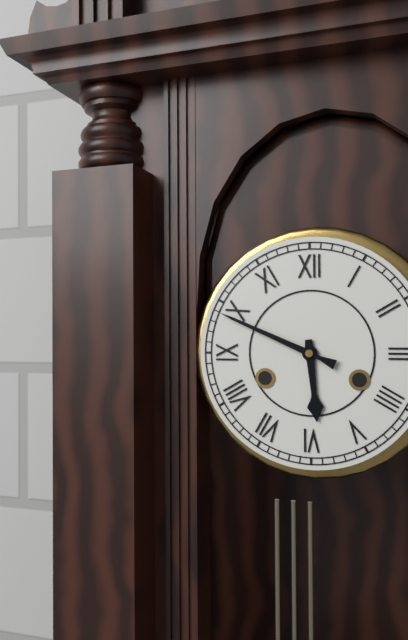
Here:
5 h 49 min
